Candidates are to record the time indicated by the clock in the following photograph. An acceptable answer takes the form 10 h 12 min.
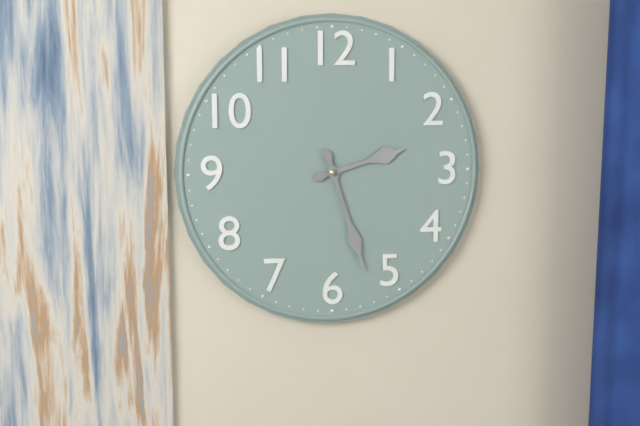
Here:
2 h 27 min
